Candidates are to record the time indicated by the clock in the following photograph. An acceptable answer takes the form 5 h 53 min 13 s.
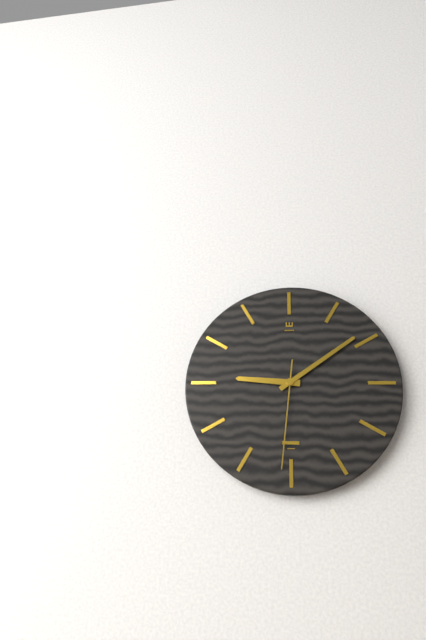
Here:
9 h 09 min 31 s
